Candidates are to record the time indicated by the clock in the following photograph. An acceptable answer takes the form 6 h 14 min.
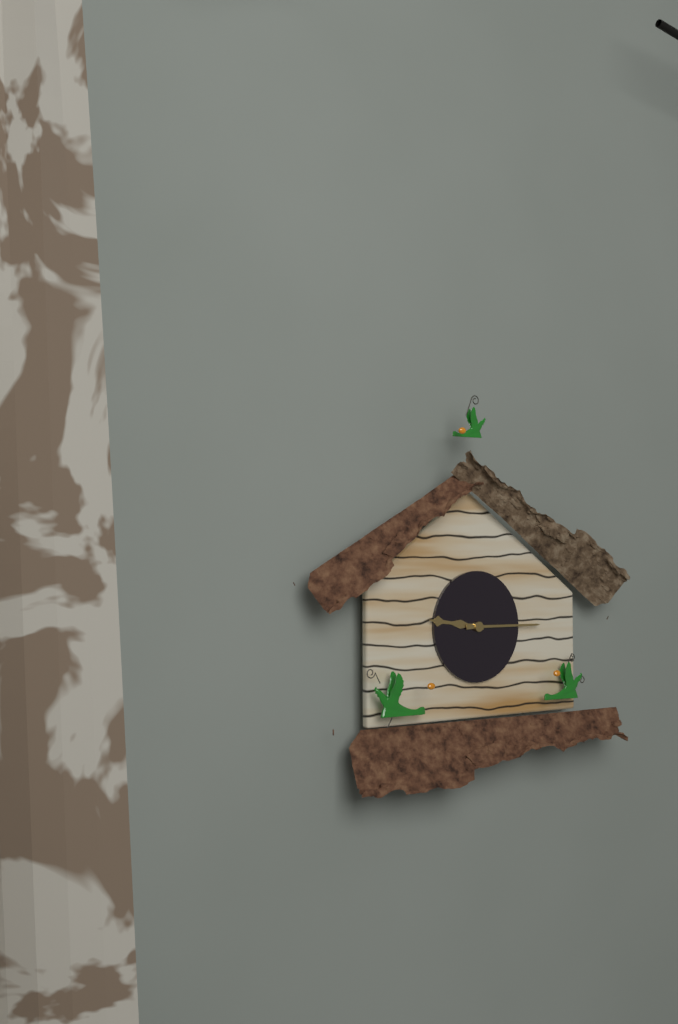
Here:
9 h 15 min
